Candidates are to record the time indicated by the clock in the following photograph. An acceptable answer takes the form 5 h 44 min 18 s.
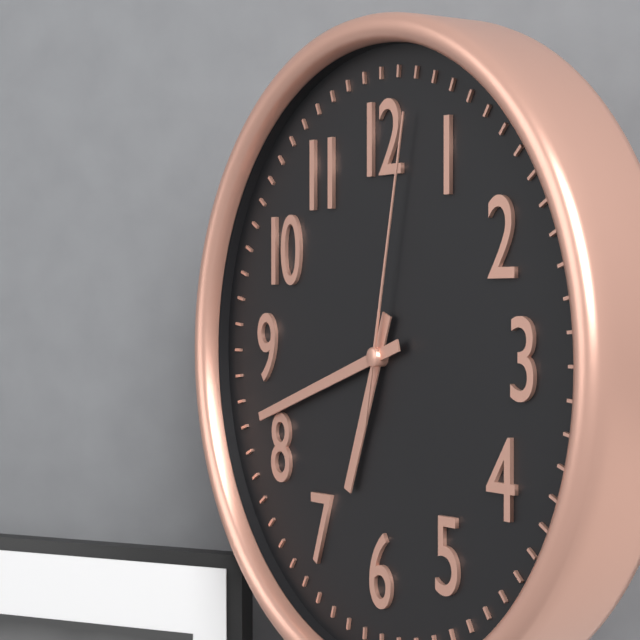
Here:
6 h 42 min 02 s
